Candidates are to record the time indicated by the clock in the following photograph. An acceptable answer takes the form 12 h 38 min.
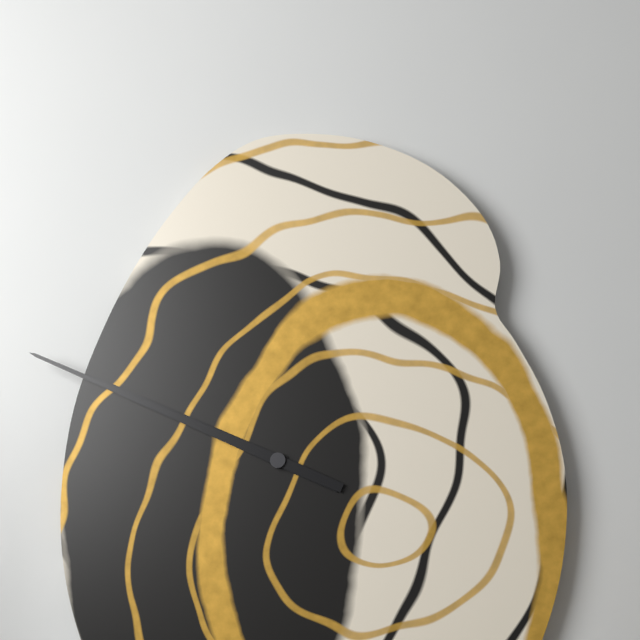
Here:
9 h 49 min
